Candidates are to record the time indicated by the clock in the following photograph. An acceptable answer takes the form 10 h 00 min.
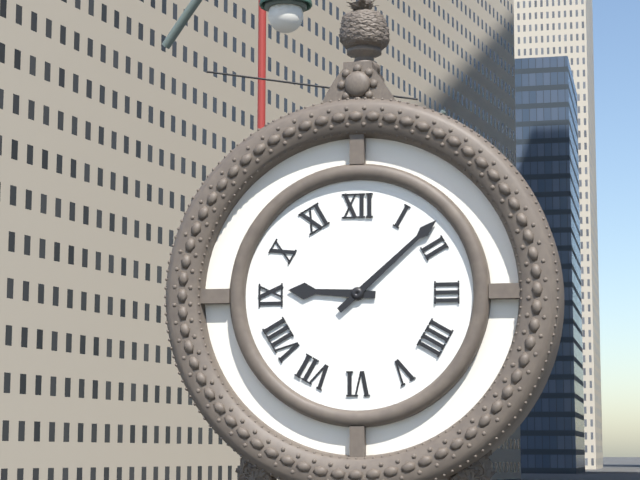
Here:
9 h 08 min
